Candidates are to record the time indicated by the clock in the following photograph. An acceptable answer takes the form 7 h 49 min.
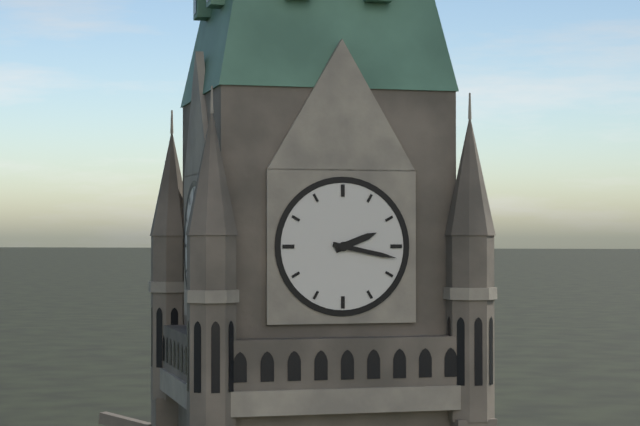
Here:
2 h 17 min
